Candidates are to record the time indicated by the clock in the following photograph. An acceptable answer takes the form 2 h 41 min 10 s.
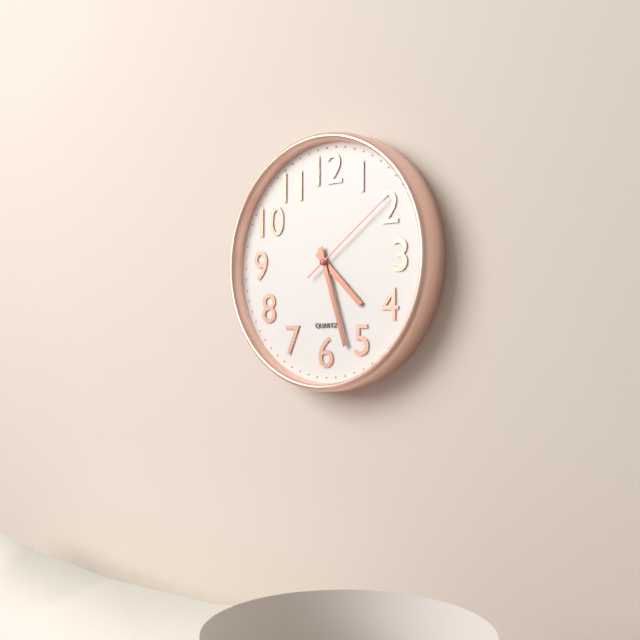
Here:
4 h 27 min 09 s
